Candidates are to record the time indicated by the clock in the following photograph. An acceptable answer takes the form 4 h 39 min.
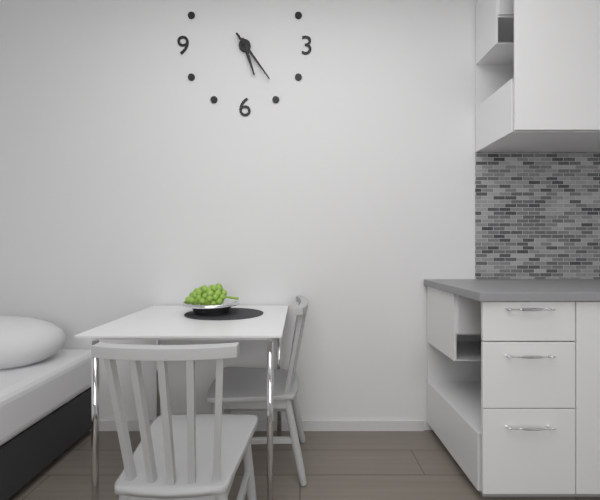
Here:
5 h 24 min
